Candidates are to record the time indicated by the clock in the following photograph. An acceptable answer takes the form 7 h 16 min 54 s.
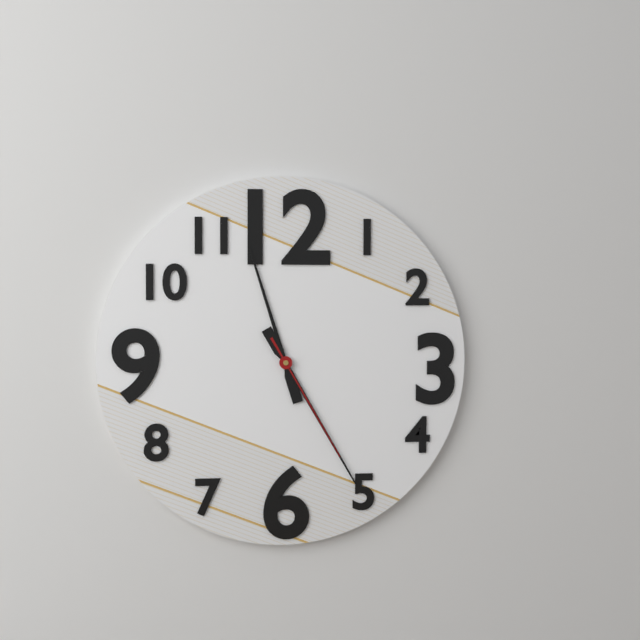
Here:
11 h 25 min 25 s
